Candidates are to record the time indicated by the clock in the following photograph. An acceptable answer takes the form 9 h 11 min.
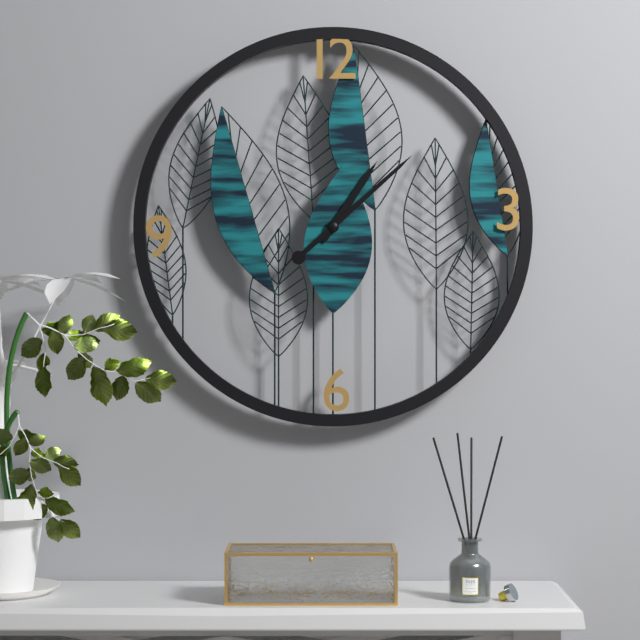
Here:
1 h 08 min
